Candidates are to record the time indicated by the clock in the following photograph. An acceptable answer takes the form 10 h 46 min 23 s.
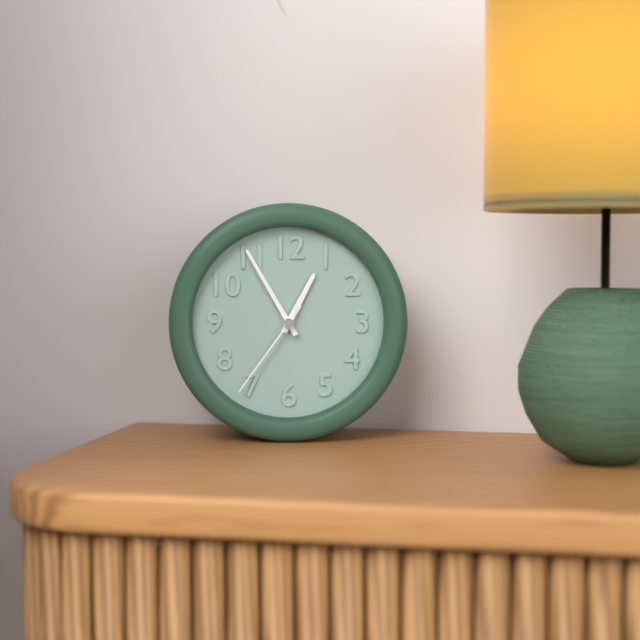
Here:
12 h 55 min 36 s
